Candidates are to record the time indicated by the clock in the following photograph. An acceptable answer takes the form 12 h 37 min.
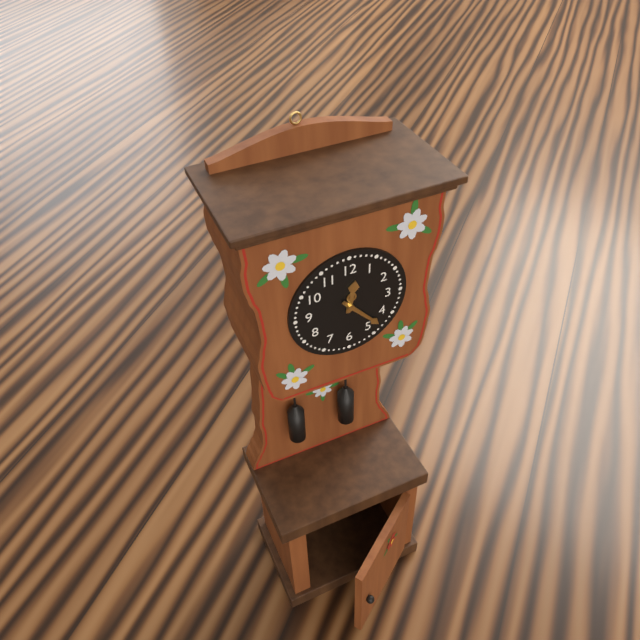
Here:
12 h 23 min
